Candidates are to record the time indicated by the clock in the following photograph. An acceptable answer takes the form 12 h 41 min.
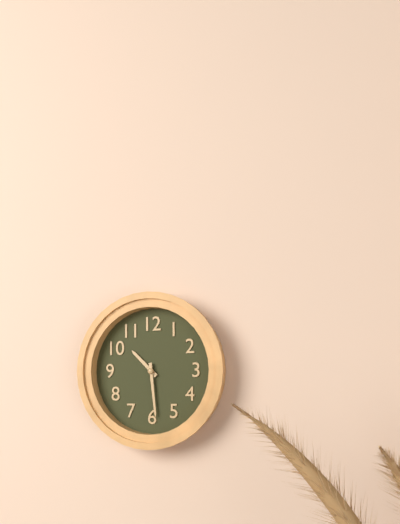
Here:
10 h 29 min
